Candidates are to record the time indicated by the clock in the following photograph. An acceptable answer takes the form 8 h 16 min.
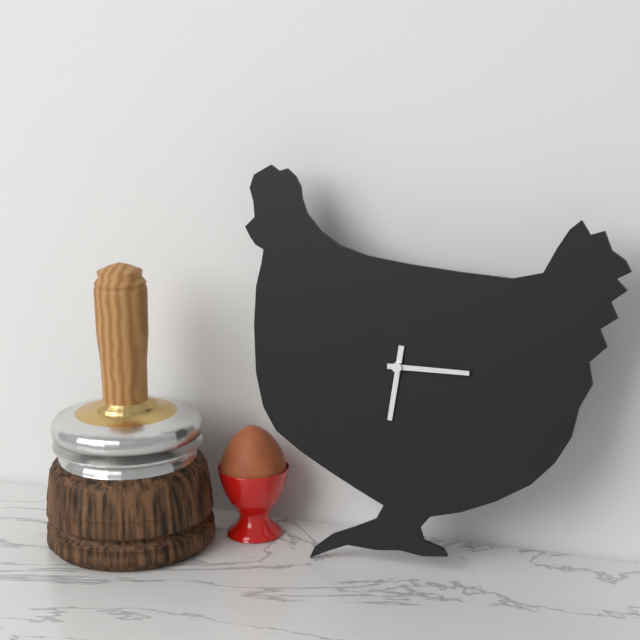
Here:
6 h 15 min
